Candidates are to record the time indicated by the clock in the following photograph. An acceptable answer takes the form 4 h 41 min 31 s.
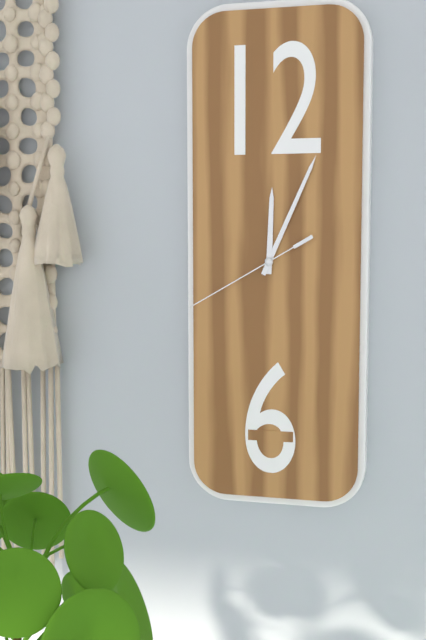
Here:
12 h 04 min 40 s
